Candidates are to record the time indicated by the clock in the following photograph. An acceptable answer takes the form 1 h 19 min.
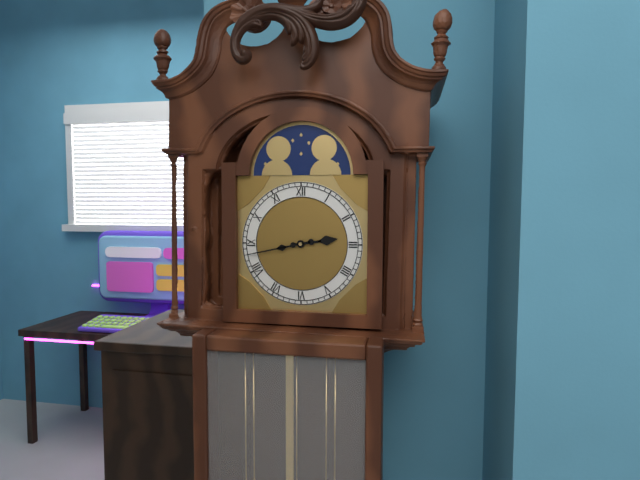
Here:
2 h 43 min
